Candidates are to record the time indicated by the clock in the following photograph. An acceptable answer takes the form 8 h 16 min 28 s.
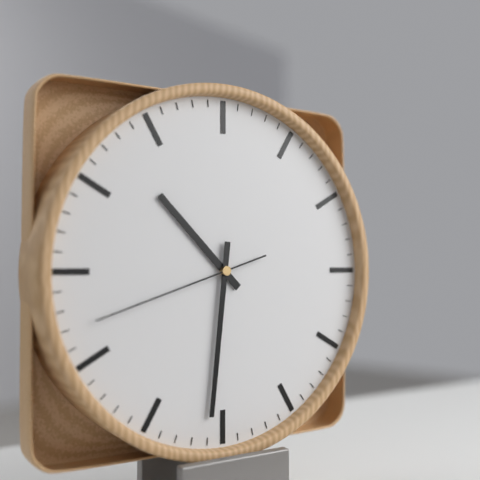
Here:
10 h 31 min 42 s
